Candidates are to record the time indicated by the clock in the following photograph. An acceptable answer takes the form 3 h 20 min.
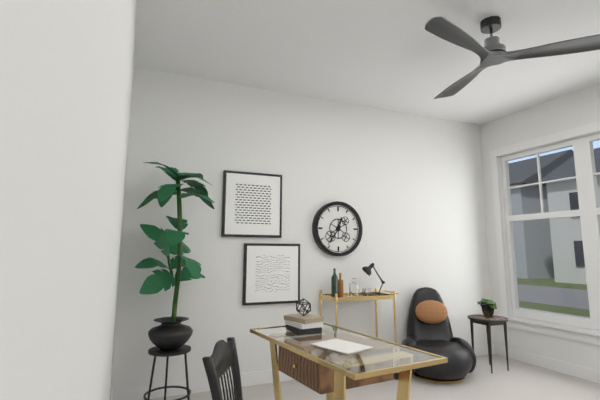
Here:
12 h 36 min
